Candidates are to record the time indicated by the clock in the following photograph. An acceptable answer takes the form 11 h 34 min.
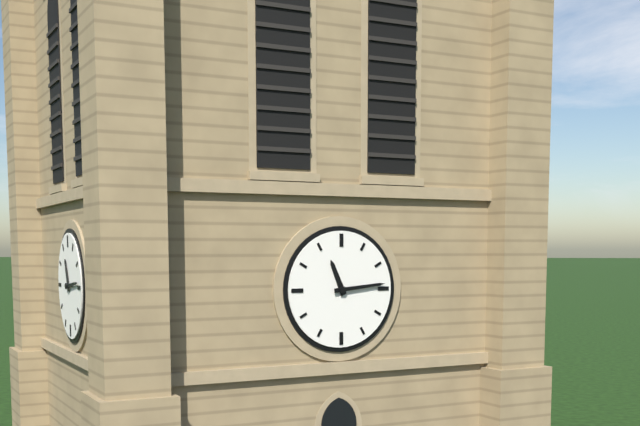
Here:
11 h 14 min
